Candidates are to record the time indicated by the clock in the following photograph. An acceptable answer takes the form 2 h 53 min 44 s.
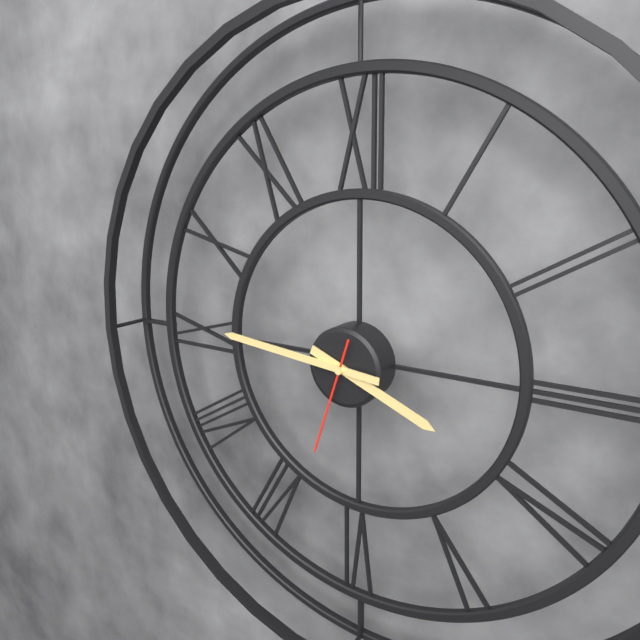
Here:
3 h 46 min 33 s
